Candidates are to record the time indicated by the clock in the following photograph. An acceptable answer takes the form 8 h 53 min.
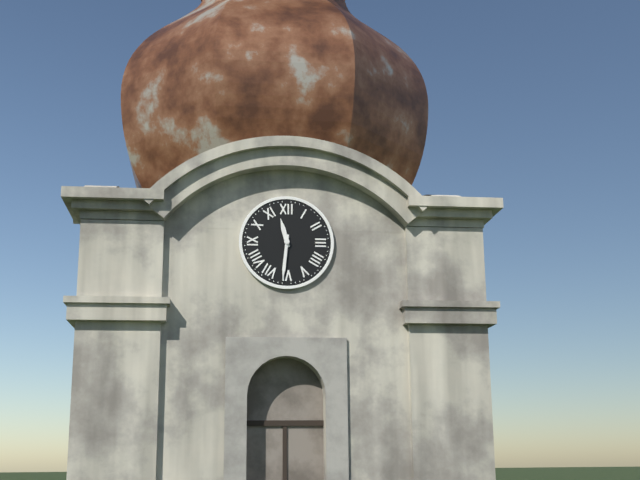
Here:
11 h 31 min
